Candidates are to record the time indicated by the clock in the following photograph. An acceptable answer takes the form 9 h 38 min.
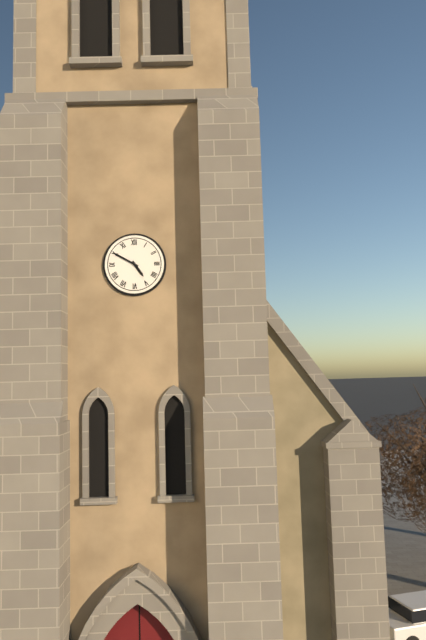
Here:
4 h 50 min
